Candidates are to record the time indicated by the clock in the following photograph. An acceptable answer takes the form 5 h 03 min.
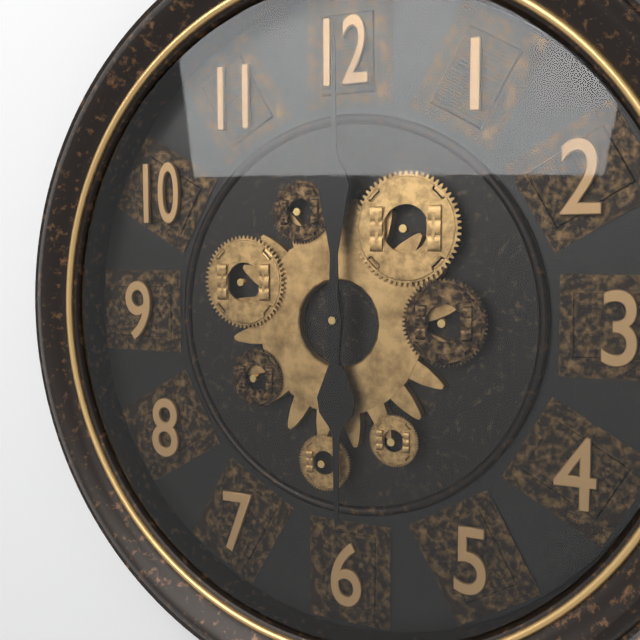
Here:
6 h 00 min
